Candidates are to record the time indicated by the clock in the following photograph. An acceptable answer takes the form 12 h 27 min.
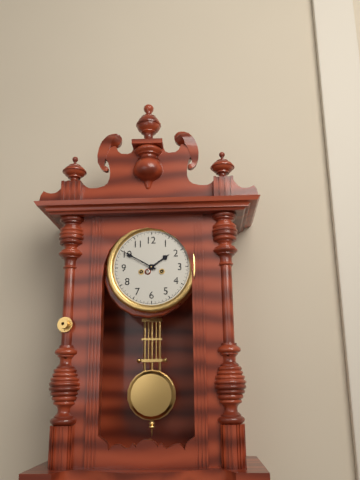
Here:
1 h 50 min
